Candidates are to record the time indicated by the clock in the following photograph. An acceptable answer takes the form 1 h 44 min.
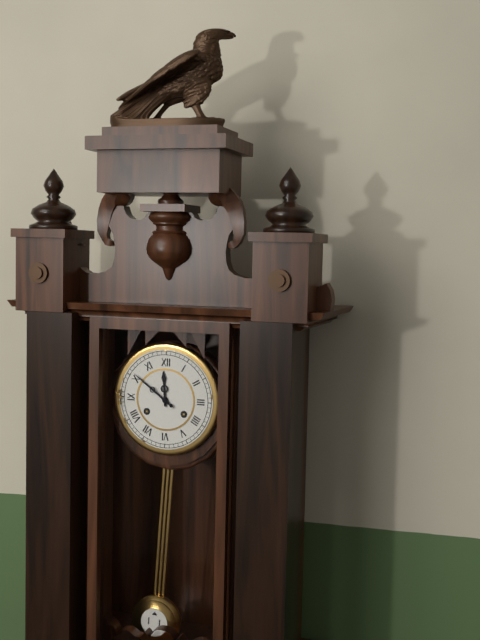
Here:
11 h 51 min
